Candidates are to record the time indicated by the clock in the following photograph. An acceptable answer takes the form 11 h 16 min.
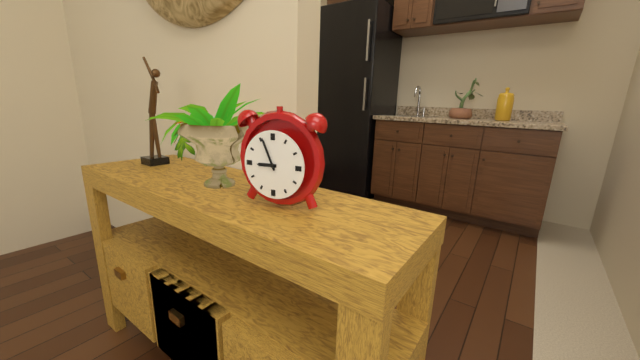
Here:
8 h 56 min
